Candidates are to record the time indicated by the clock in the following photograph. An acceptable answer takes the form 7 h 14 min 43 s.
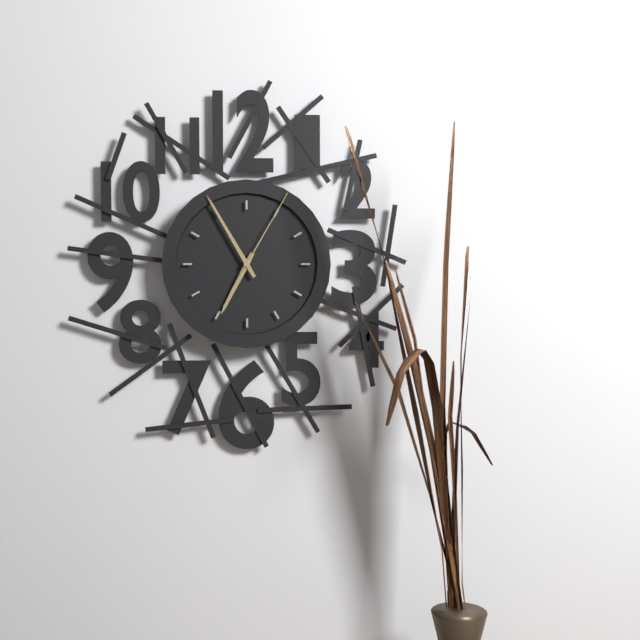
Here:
6 h 55 min 05 s
